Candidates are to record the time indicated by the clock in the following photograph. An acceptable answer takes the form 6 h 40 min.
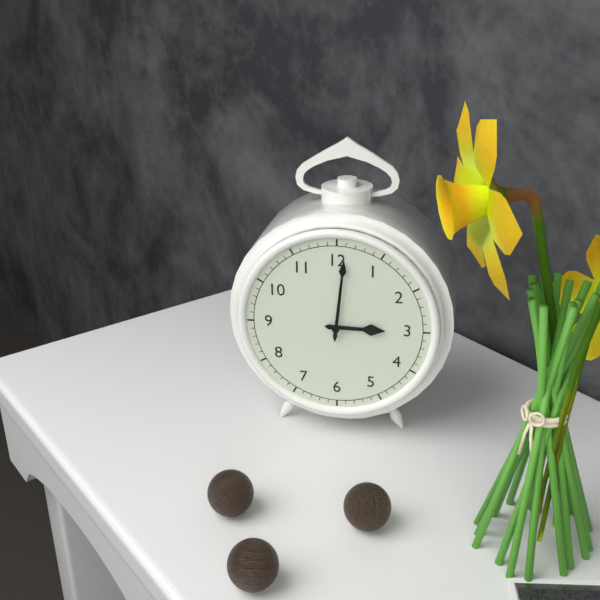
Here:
3 h 01 min
